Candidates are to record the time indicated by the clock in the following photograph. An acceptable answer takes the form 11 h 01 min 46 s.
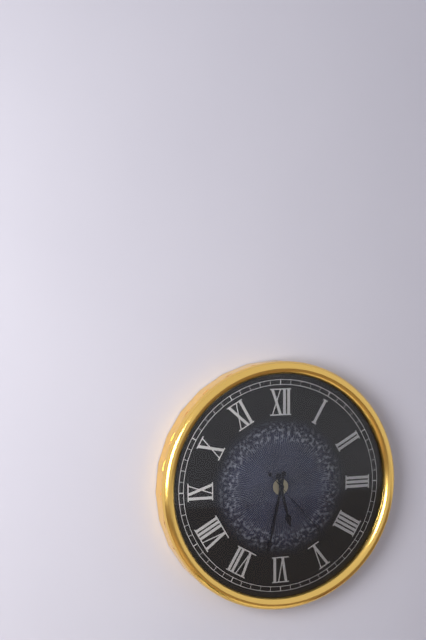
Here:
5 h 32 min 23 s
